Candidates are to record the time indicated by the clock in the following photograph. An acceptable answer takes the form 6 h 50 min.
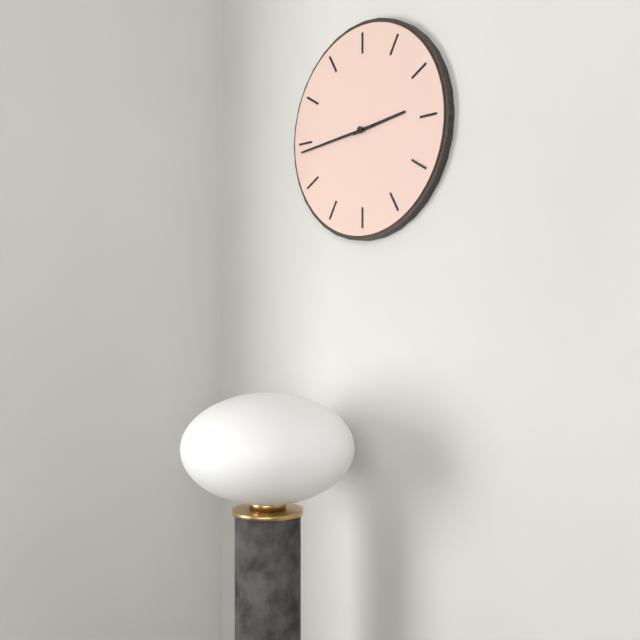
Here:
2 h 44 min
